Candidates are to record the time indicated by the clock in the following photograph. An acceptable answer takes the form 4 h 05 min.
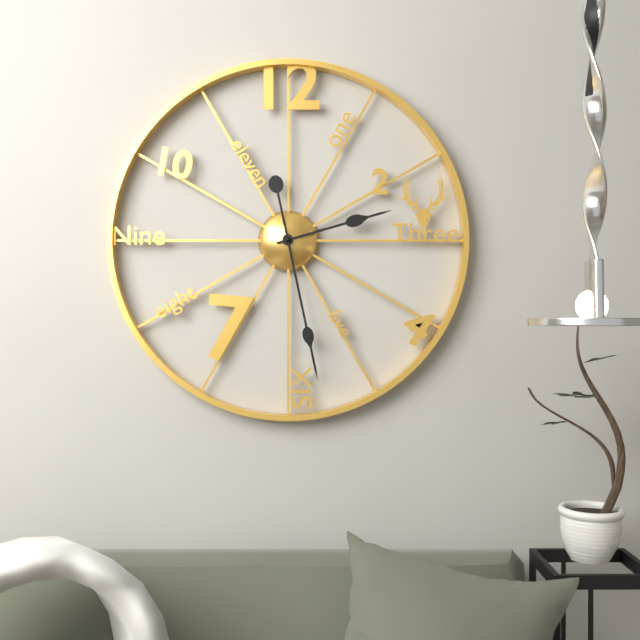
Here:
2 h 28 min
